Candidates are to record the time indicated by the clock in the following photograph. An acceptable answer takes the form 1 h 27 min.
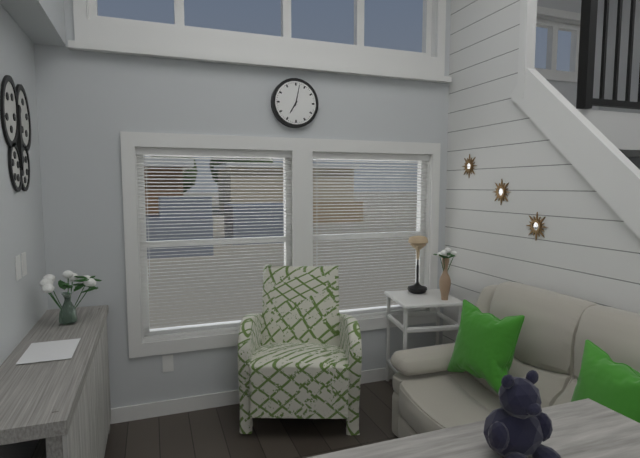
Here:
7 h 02 min
